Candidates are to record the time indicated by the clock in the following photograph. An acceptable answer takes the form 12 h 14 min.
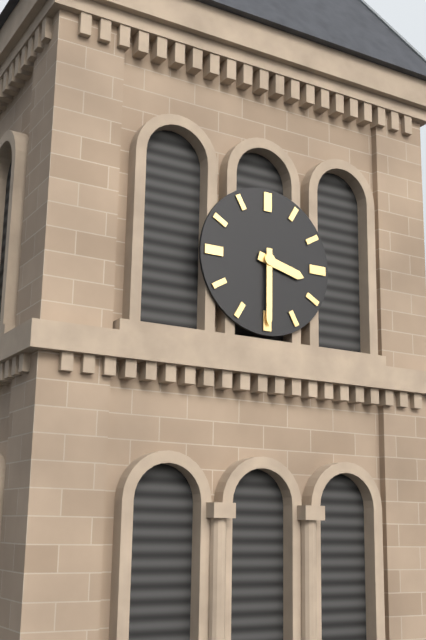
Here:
3 h 30 min
